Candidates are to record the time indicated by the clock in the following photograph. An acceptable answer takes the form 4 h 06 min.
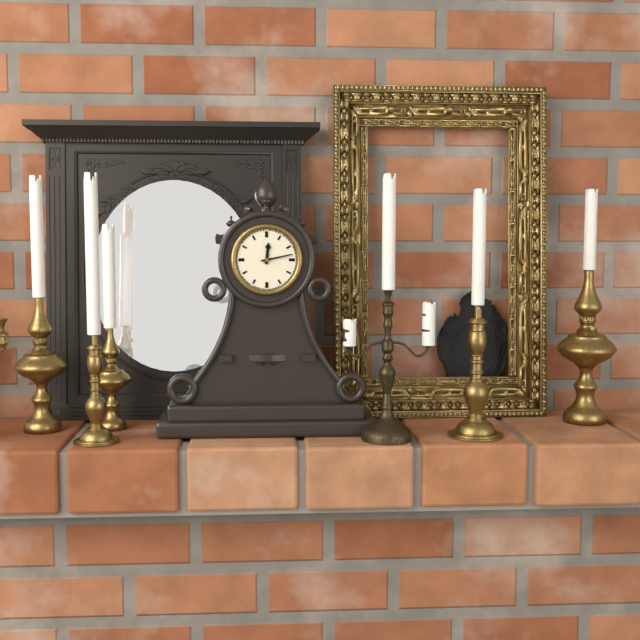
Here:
12 h 13 min
